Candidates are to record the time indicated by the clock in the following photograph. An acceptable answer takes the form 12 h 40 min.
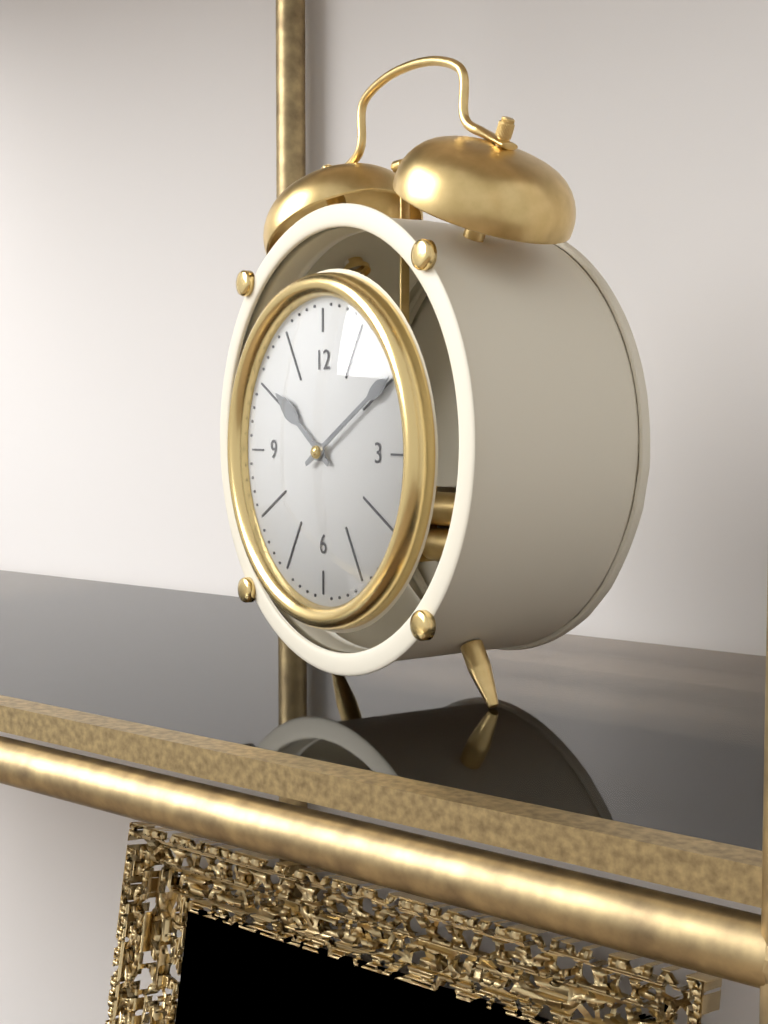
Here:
10 h 10 min
